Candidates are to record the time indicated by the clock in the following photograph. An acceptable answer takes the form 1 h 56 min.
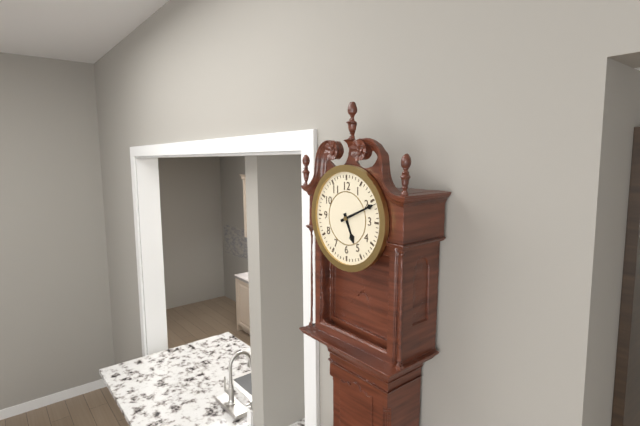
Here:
5 h 11 min
